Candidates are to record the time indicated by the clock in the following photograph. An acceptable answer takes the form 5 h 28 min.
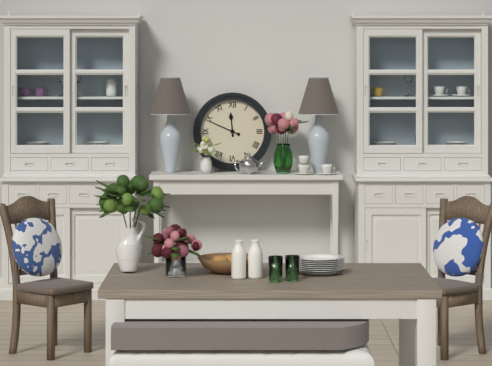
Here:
11 h 49 min
